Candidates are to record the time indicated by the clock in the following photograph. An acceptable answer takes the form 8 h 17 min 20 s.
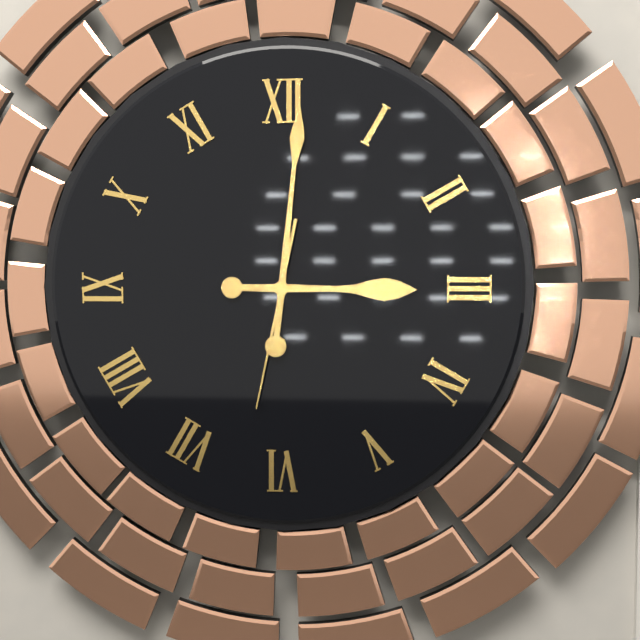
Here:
3 h 01 min 32 s
